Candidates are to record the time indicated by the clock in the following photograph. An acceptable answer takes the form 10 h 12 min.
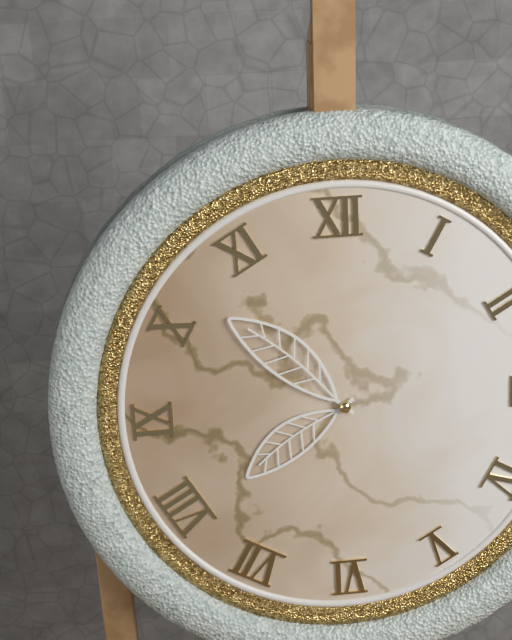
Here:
7 h 52 min
